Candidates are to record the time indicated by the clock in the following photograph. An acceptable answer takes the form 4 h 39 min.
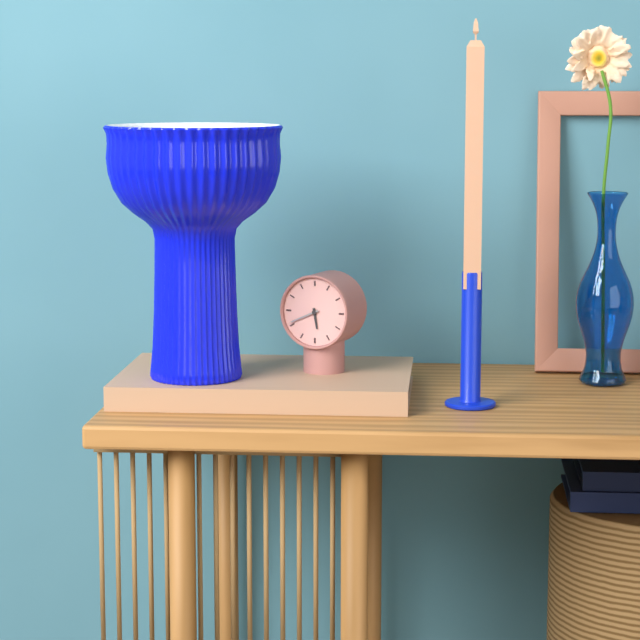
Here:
5 h 41 min
